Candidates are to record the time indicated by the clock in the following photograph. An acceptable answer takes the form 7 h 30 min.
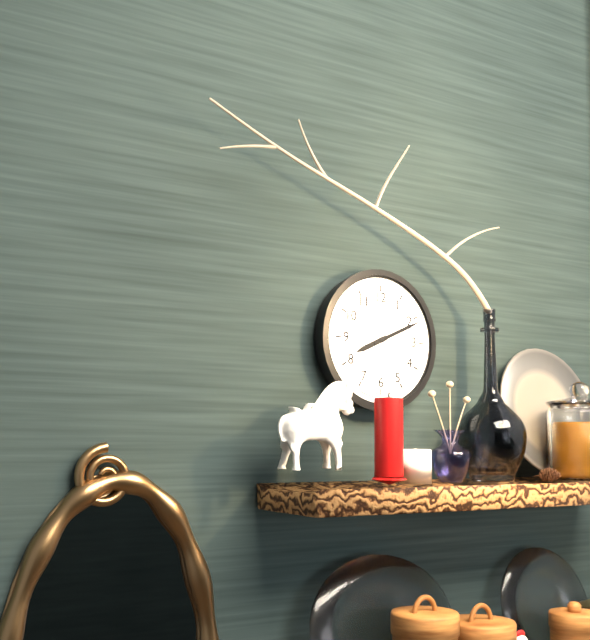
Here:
8 h 11 min
